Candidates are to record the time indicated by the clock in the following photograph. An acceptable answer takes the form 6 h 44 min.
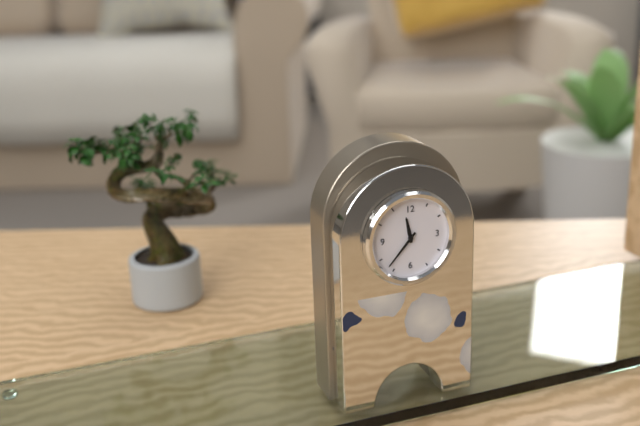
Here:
11 h 37 min
